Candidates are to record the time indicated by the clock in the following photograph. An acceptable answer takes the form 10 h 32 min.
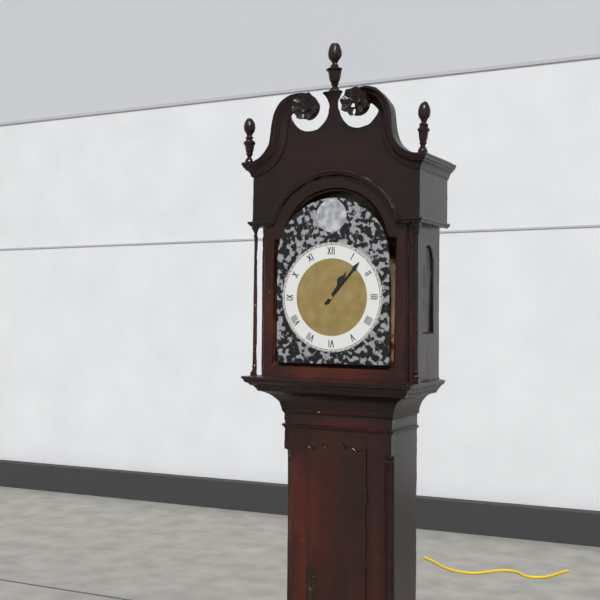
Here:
1 h 07 min
